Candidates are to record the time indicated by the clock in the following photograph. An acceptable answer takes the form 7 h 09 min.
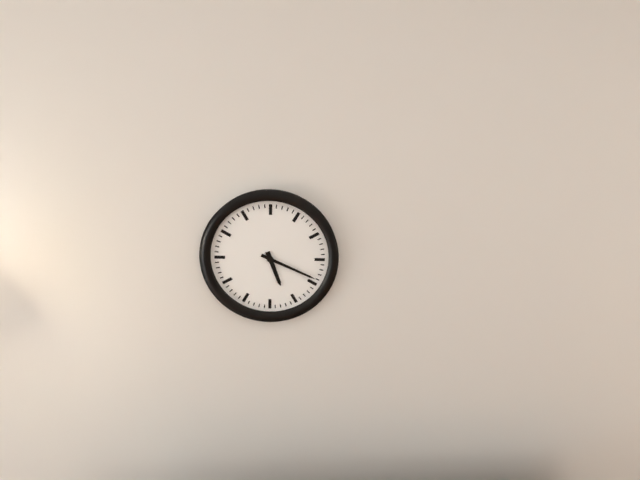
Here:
5 h 19 min
